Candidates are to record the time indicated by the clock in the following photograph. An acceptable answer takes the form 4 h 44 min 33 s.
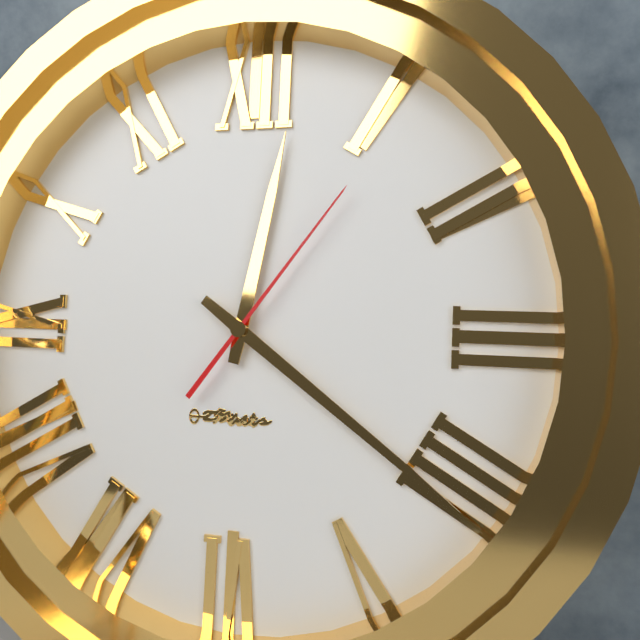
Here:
12 h 21 min 06 s
